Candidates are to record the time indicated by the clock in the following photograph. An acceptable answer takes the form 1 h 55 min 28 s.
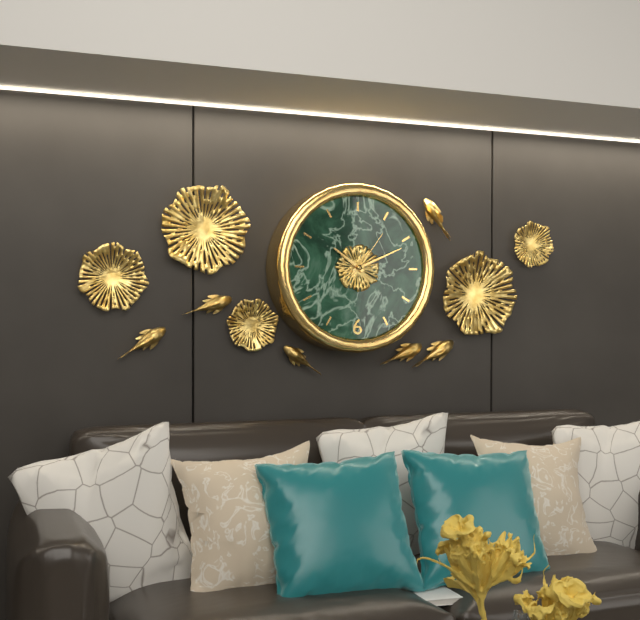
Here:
10 h 11 min 06 s
